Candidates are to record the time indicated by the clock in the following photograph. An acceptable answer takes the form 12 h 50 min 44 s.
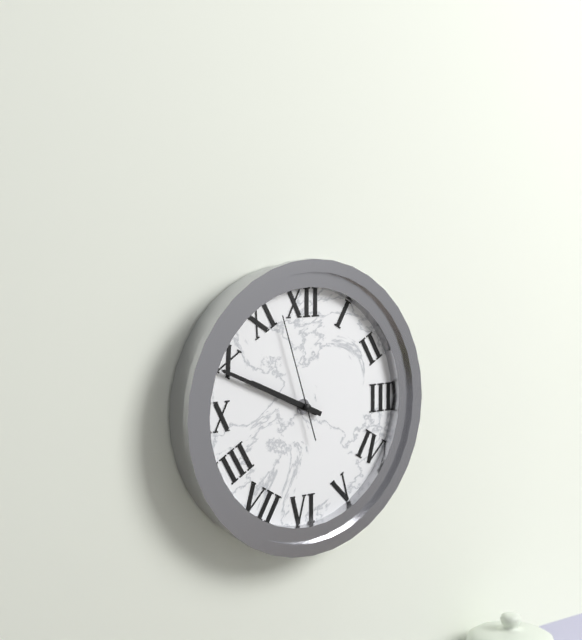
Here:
9 h 49 min 57 s
